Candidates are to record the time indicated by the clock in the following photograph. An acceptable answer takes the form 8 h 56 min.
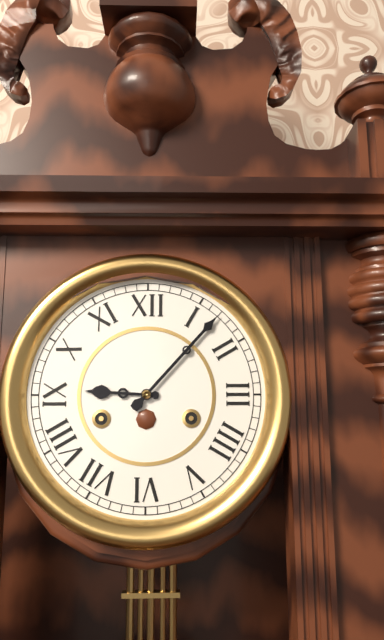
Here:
9 h 07 min
